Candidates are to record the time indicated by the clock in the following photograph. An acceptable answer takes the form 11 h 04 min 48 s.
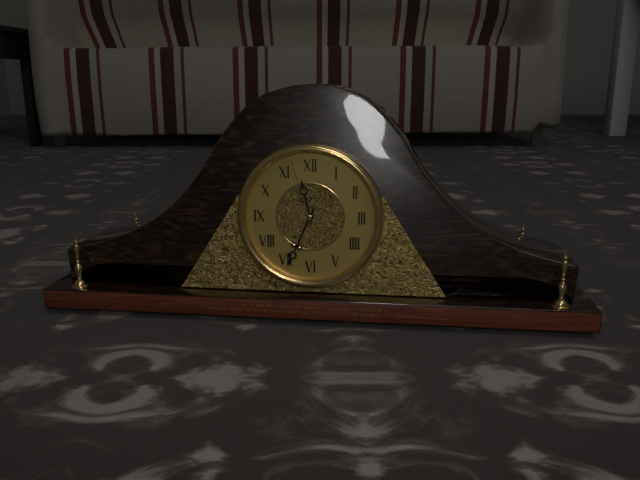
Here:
11 h 34 min 57 s
